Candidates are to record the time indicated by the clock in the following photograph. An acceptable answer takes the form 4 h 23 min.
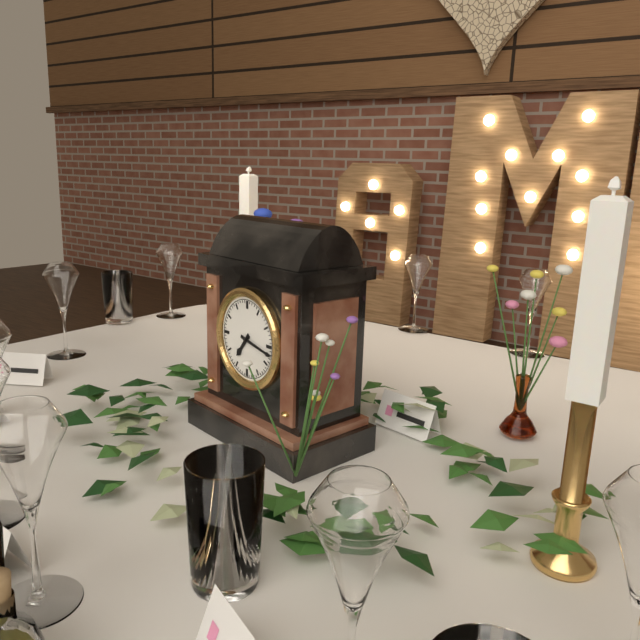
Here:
7 h 17 min
